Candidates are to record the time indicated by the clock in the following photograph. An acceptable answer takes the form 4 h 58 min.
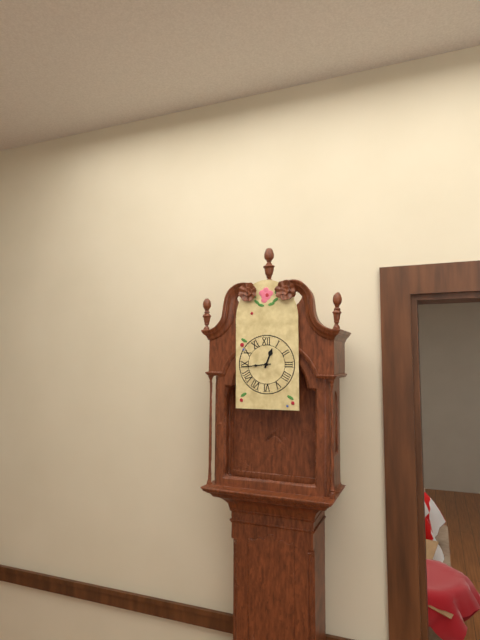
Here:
12 h 44 min
